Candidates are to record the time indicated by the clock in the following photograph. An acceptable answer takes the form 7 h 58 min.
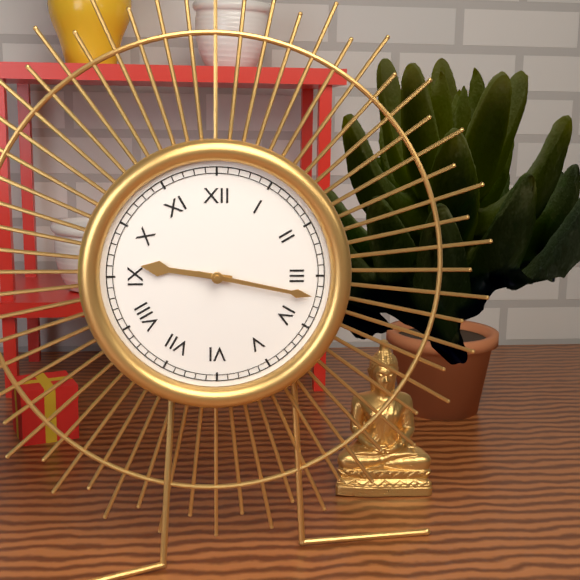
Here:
9 h 17 min
